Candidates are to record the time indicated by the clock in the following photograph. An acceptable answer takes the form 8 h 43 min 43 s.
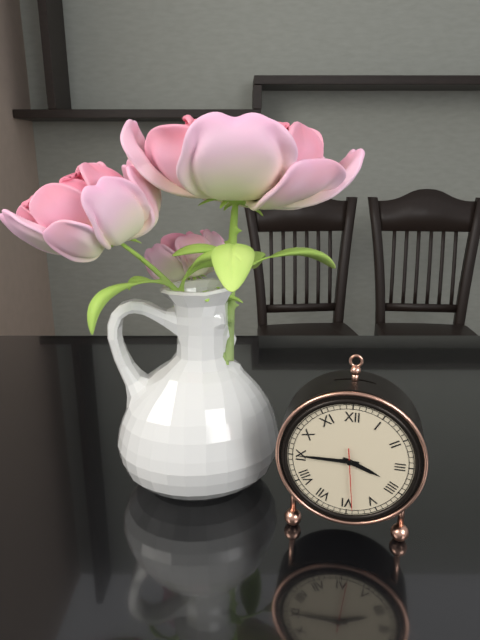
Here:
3 h 45 min 29 s
